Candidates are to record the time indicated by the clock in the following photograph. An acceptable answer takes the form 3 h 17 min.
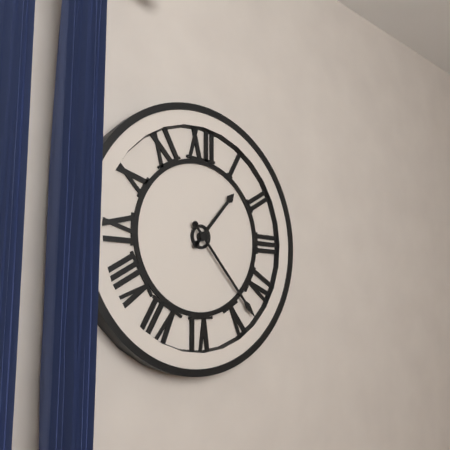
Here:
1 h 23 min
